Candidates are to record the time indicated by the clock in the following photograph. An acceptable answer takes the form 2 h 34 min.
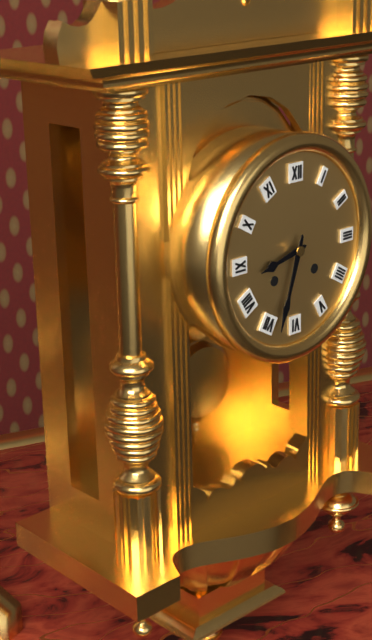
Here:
8 h 33 min
